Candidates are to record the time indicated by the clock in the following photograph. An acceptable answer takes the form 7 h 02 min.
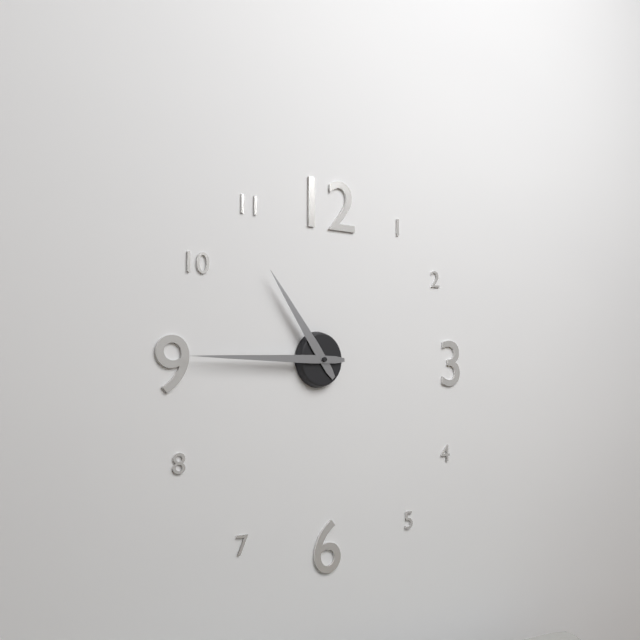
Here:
10 h 45 min
